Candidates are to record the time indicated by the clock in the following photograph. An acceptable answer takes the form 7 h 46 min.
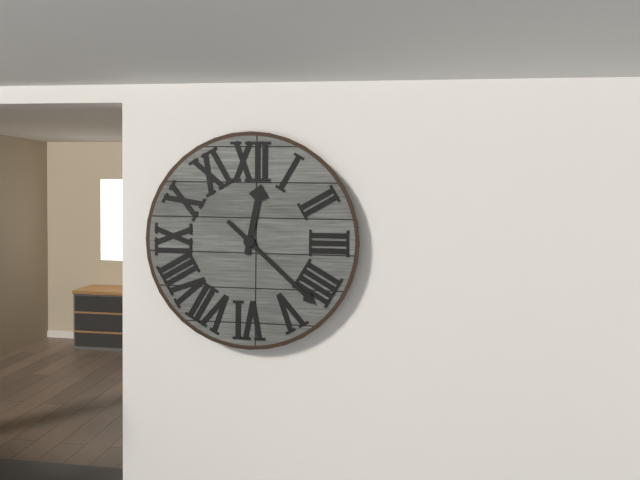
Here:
12 h 22 min
